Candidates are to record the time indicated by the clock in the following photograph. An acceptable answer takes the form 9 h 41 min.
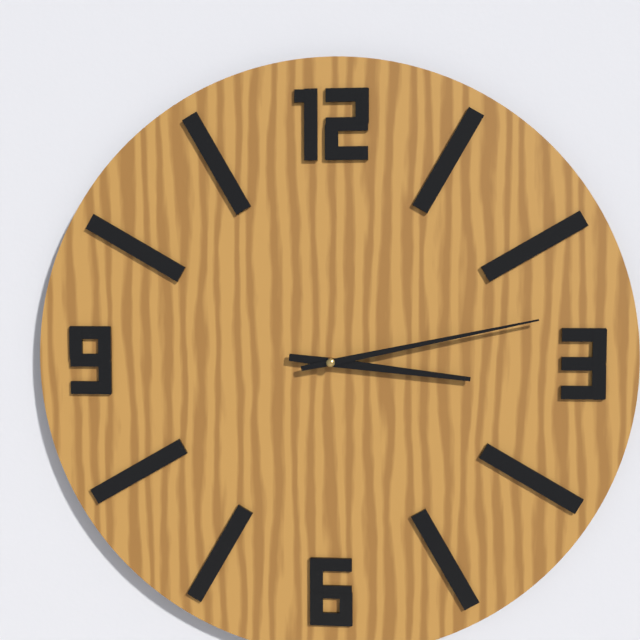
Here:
3 h 13 min
